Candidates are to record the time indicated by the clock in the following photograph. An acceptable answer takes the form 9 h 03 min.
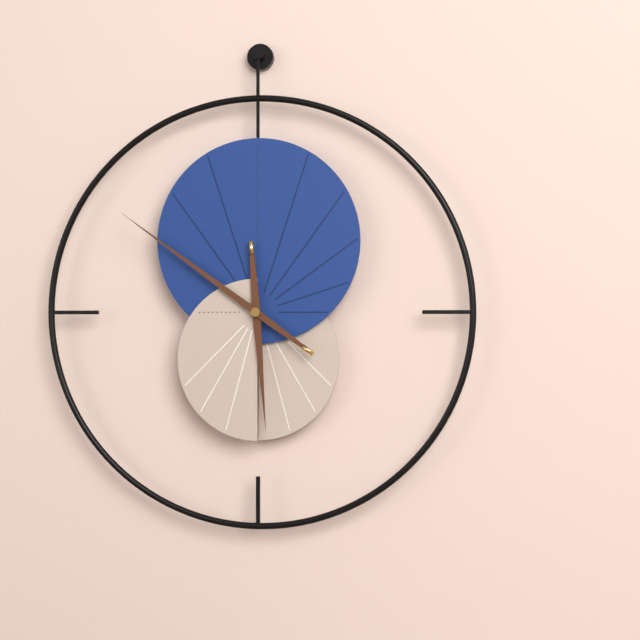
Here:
5 h 51 min
